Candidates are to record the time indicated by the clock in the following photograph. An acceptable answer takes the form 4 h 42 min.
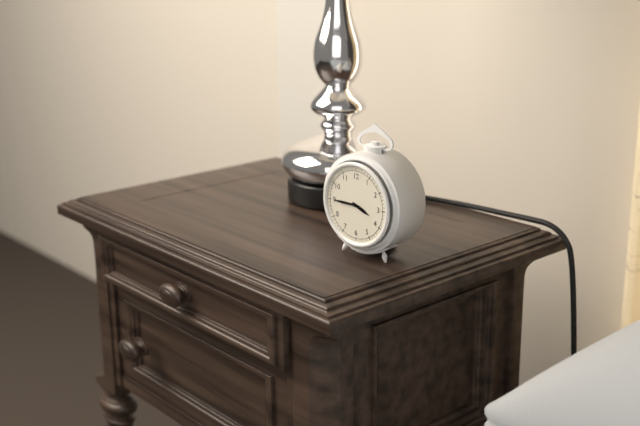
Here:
3 h 45 min
